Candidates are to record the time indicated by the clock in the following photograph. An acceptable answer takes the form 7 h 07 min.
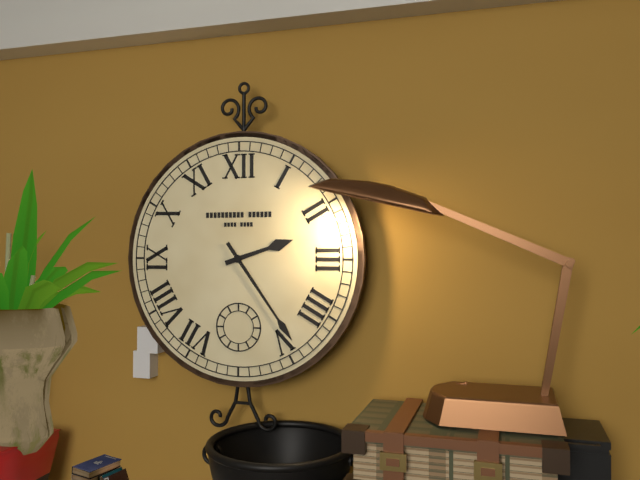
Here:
2 h 24 min
